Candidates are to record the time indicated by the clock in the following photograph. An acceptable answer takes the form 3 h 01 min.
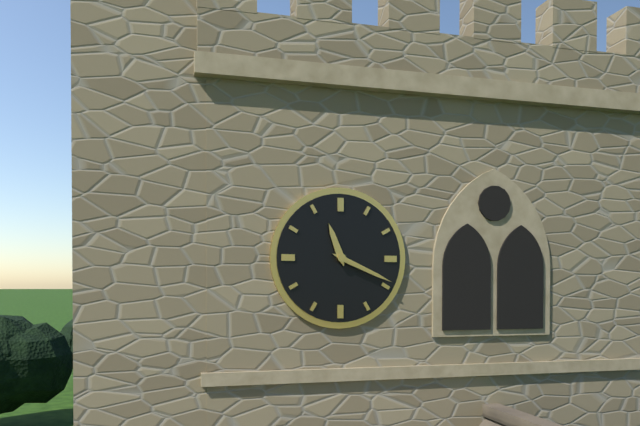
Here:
11 h 19 min
